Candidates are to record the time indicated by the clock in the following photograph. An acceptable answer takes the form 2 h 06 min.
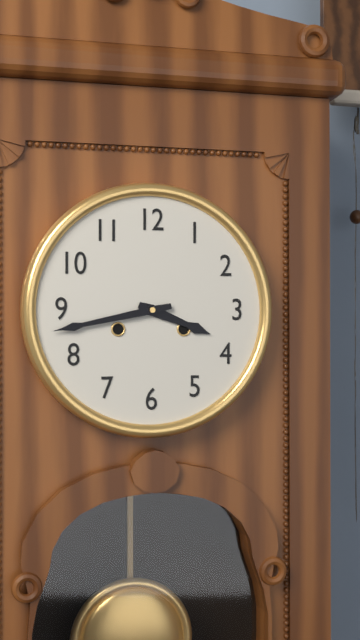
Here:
3 h 43 min
